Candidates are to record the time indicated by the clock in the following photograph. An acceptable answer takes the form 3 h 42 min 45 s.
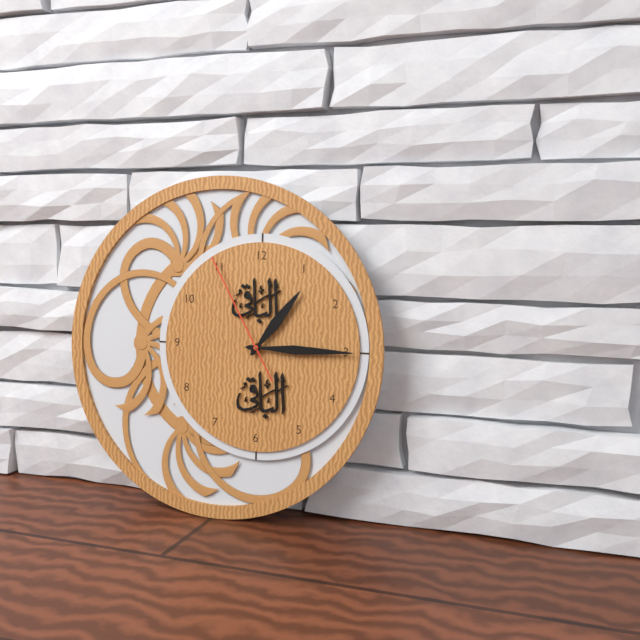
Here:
1 h 15 min 55 s
